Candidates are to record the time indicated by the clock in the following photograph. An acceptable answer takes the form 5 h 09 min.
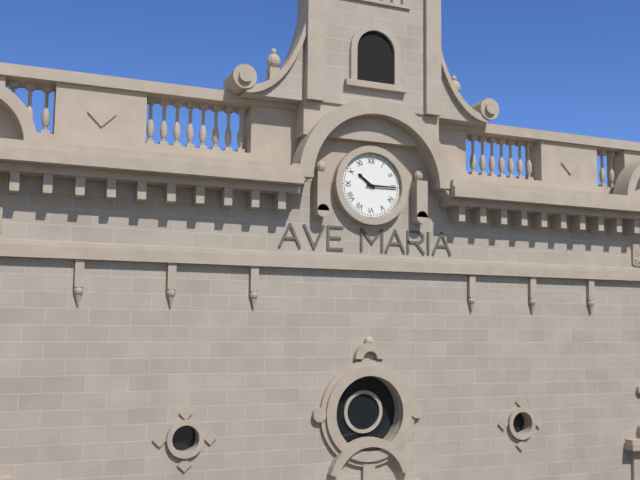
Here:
10 h 15 min
